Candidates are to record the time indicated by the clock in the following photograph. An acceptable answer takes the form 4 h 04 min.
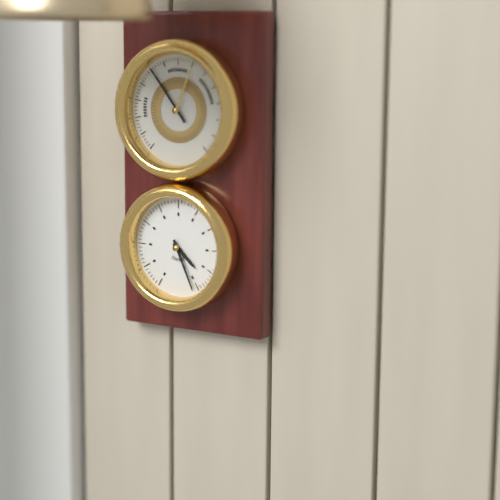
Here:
4 h 26 min
